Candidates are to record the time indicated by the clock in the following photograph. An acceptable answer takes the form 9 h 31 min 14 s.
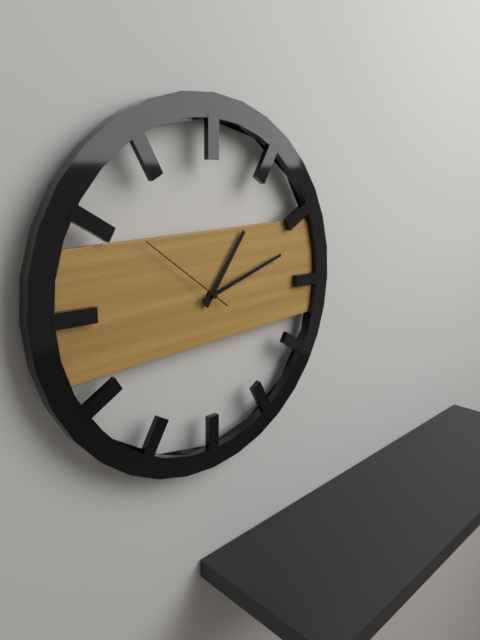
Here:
1 h 12 min 51 s
